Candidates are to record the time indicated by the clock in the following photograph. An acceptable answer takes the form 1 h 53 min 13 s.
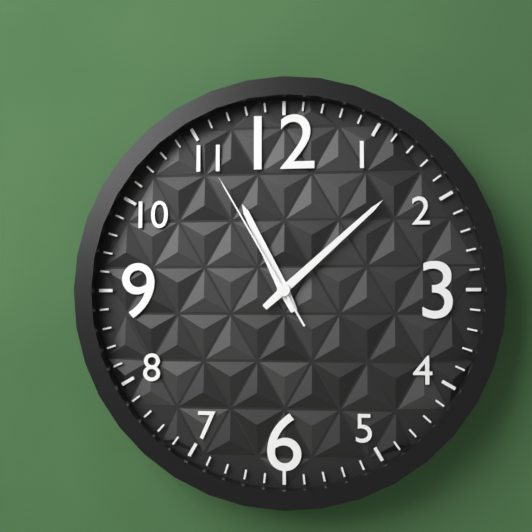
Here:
11 h 08 min 55 s
